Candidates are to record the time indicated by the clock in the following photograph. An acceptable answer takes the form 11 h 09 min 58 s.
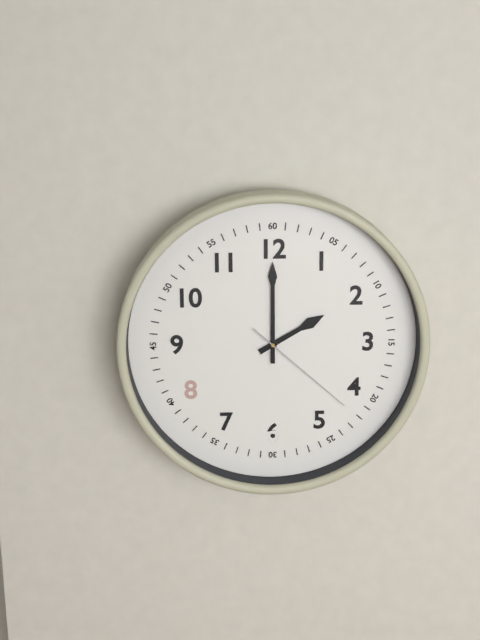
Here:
2 h 00 min 22 s
